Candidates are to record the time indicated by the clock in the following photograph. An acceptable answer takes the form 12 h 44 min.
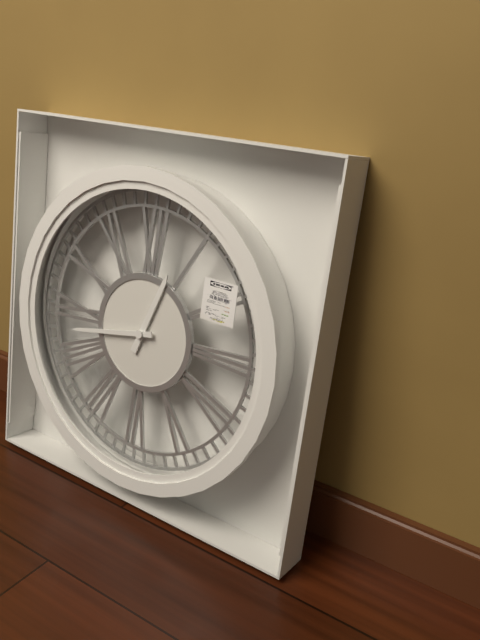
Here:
12 h 43 min
